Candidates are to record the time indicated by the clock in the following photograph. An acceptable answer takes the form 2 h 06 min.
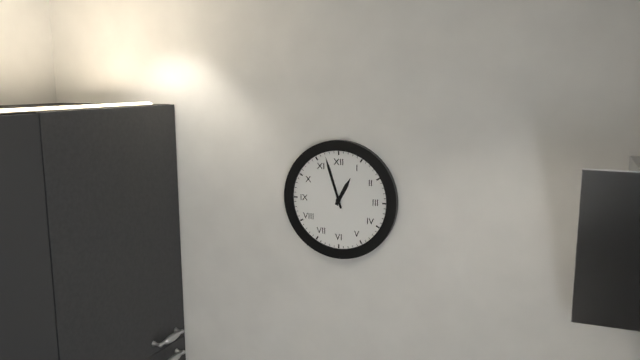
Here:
12 h 57 min
